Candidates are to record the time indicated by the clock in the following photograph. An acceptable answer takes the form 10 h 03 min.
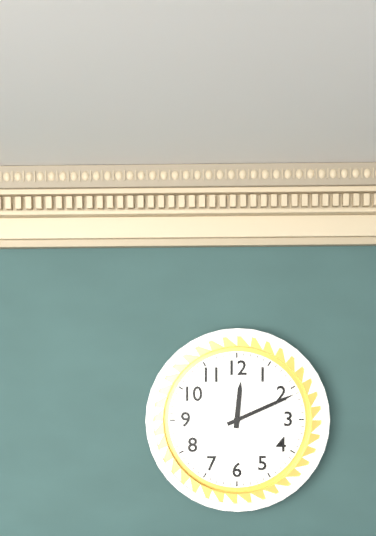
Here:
12 h 11 min
